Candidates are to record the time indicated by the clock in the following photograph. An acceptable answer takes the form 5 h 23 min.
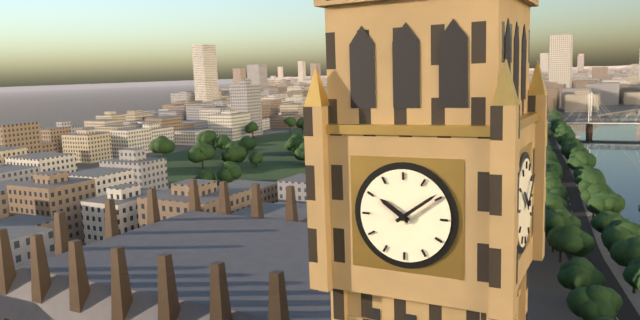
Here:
10 h 09 min
